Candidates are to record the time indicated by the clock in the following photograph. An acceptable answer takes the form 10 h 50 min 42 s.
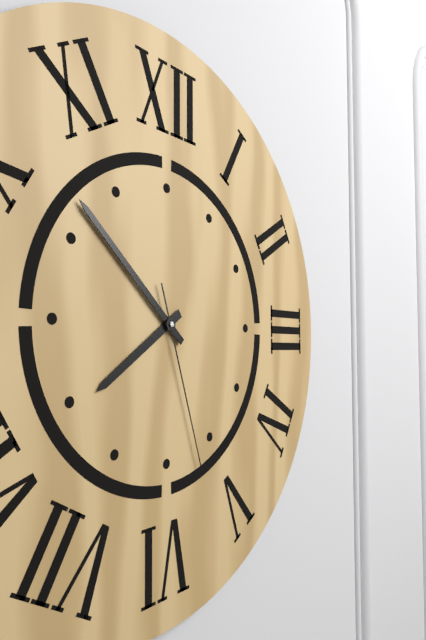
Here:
7 h 52 min 27 s
